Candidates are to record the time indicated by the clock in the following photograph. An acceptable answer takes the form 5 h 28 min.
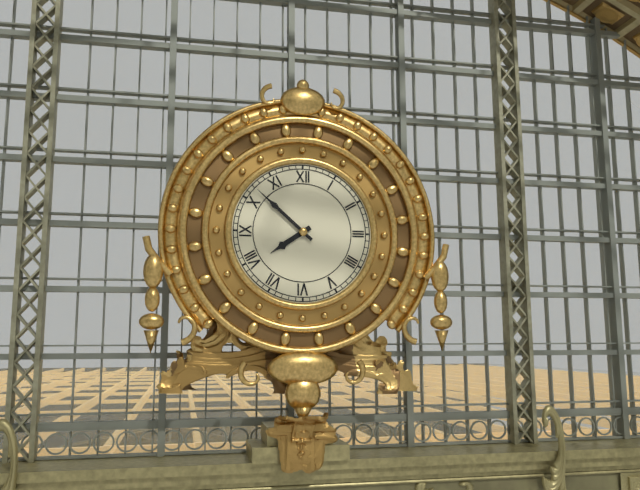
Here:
7 h 52 min
